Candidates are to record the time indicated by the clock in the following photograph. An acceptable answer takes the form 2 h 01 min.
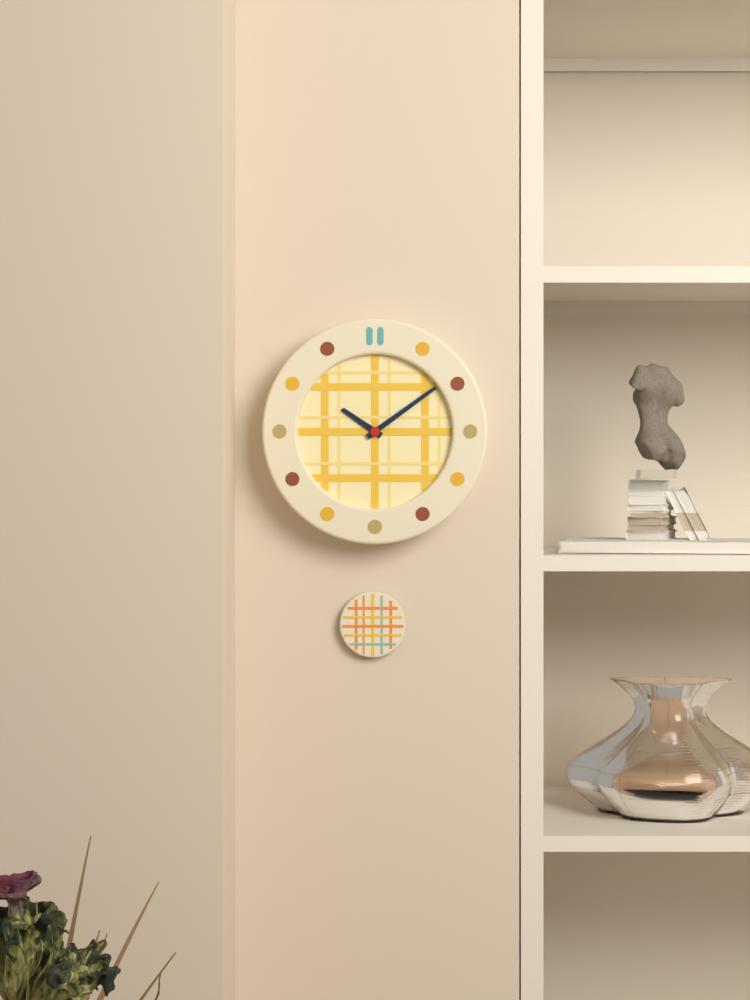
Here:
10 h 09 min
